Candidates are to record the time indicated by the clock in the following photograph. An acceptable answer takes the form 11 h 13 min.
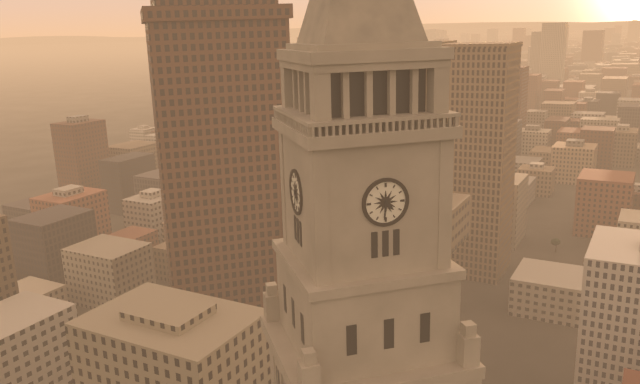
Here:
4 h 31 min
